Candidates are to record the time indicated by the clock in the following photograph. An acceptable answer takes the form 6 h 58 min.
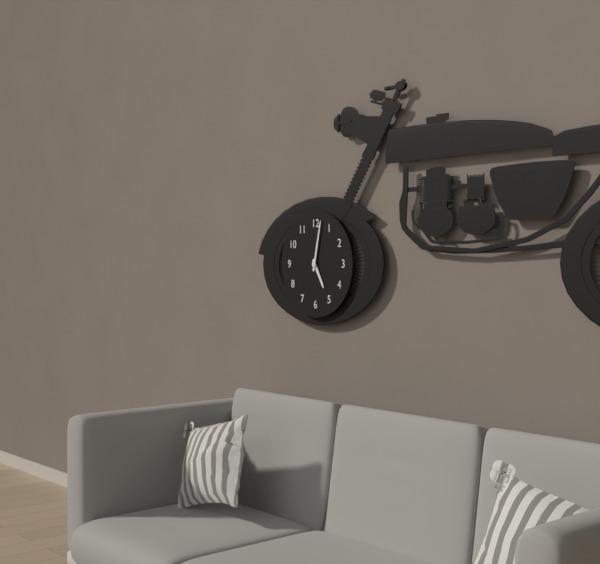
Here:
5 h 02 min
